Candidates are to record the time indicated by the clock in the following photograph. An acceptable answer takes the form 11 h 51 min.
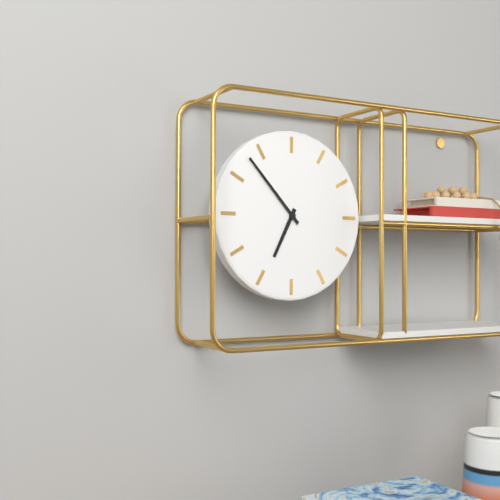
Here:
6 h 53 min
